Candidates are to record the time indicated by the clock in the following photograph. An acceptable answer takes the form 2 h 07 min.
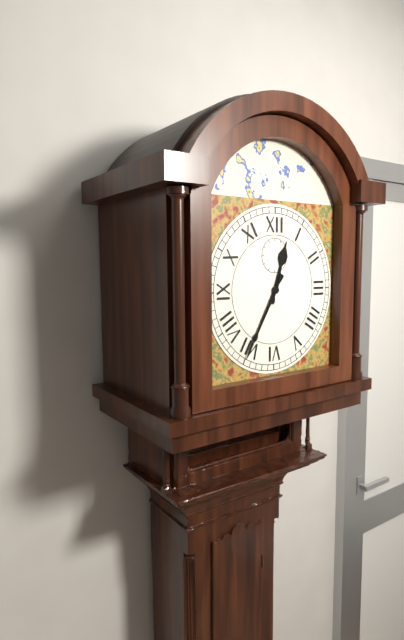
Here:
12 h 35 min
